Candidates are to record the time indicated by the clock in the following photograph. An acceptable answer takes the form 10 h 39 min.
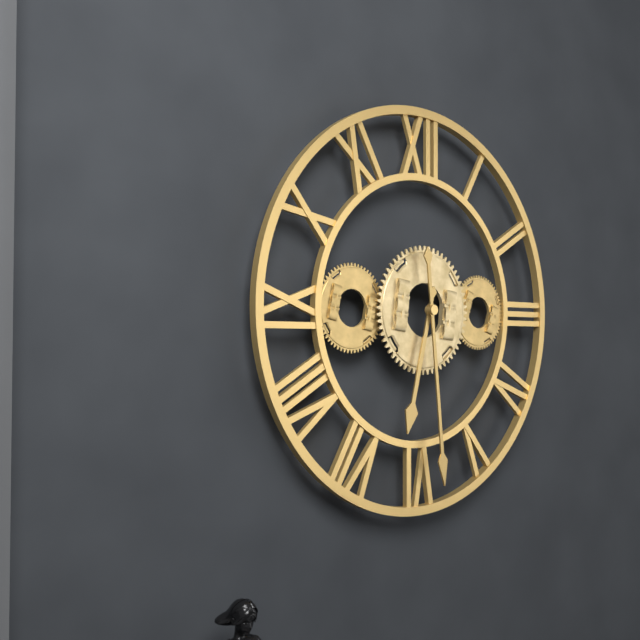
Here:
6 h 29 min
